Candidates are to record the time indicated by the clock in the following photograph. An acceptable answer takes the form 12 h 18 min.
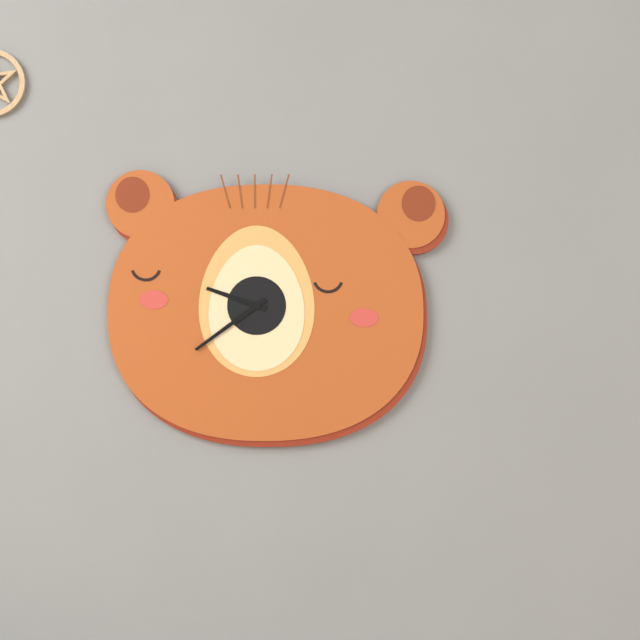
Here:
9 h 39 min
